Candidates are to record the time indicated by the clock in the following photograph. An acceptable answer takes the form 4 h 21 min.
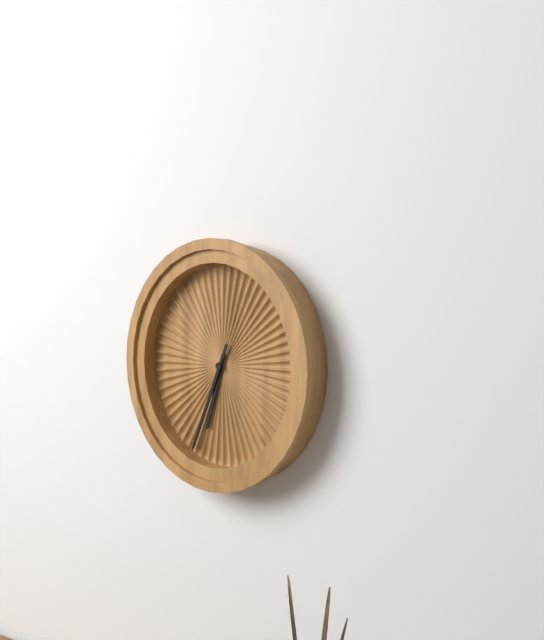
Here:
6 h 34 min
